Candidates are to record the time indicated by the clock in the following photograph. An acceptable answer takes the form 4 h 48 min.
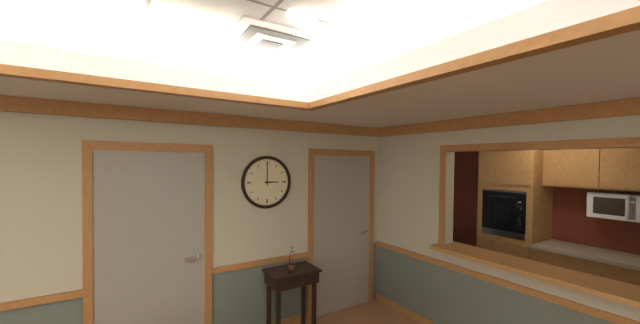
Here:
3 h 00 min
